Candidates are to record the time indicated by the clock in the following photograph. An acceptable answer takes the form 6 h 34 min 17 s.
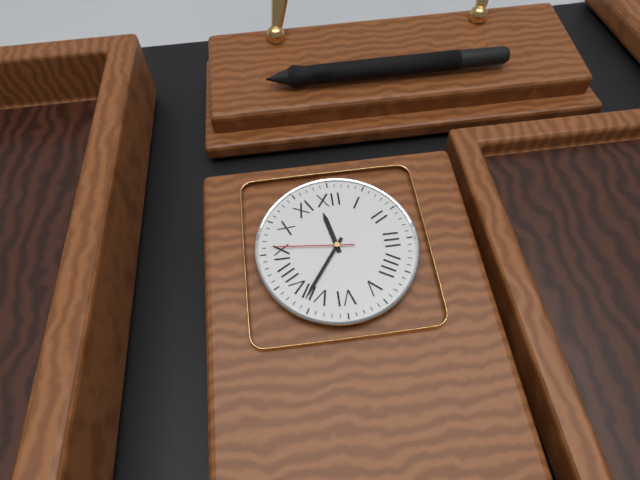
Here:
11 h 36 min 46 s
